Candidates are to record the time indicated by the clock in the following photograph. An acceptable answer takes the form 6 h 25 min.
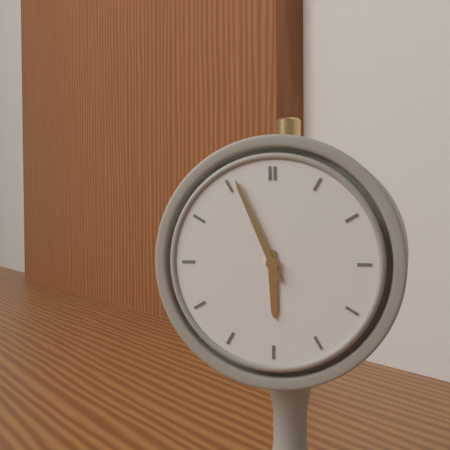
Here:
5 h 56 min
